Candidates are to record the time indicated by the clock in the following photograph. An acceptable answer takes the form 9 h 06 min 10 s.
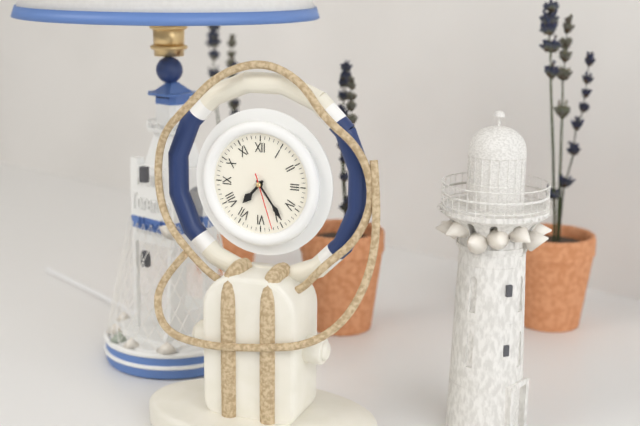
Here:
7 h 24 min 27 s
